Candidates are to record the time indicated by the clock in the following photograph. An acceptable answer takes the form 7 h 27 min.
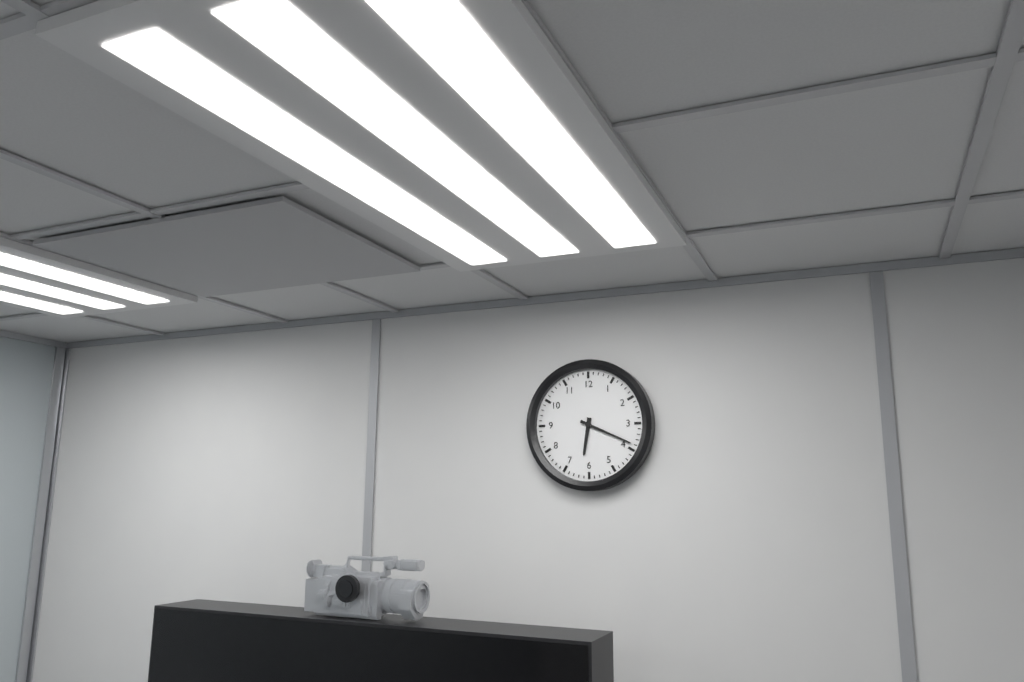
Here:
6 h 19 min
